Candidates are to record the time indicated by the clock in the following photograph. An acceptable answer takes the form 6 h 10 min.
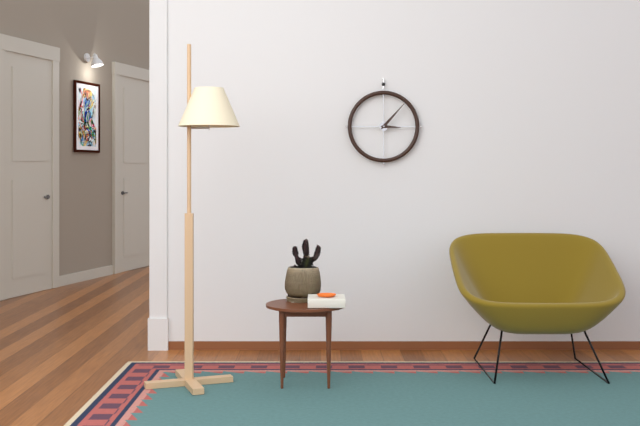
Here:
3 h 07 min
